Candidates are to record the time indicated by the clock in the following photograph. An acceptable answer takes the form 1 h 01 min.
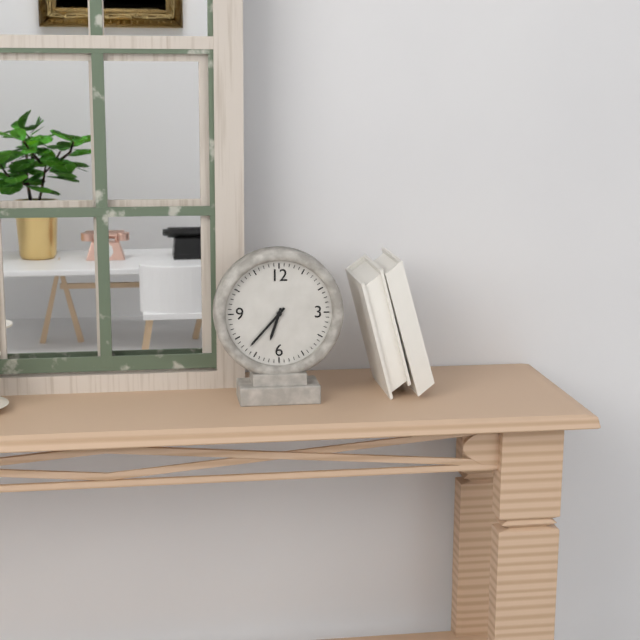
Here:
6 h 37 min
